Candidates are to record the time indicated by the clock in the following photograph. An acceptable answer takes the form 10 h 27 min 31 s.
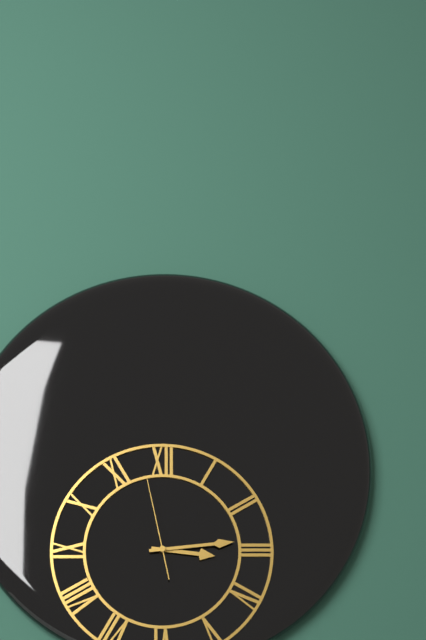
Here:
3 h 14 min 58 s
